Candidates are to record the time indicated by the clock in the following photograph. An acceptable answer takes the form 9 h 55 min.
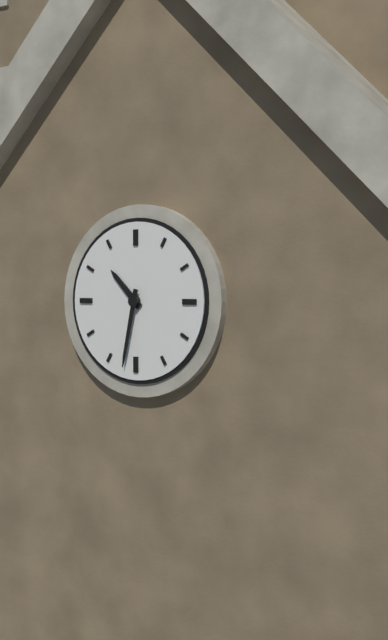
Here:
10 h 32 min
